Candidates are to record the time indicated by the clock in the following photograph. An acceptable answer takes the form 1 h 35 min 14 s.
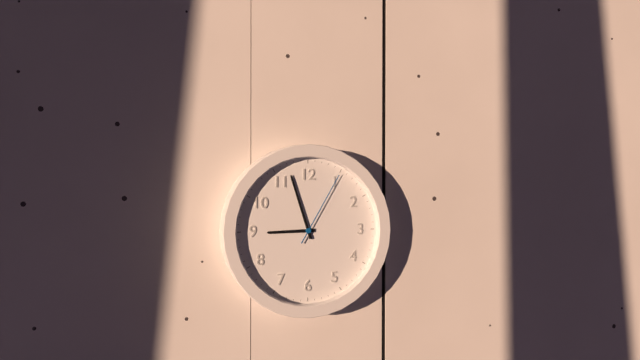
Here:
8 h 57 min 05 s
